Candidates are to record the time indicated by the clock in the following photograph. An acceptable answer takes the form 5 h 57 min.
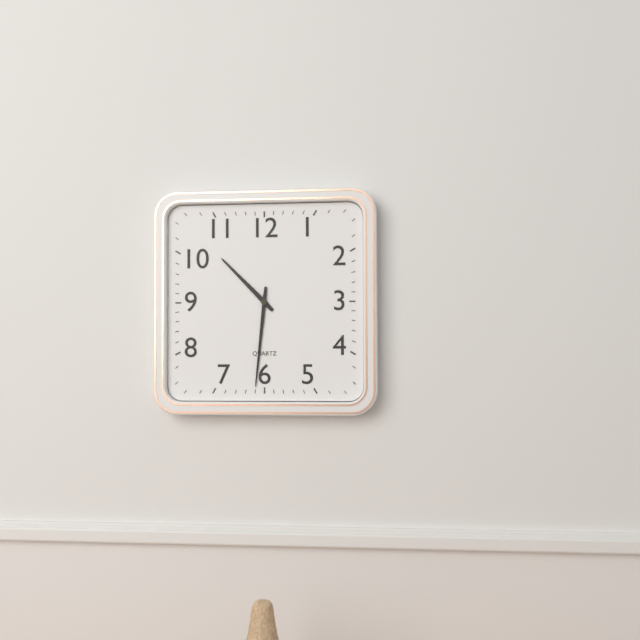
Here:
10 h 31 min
